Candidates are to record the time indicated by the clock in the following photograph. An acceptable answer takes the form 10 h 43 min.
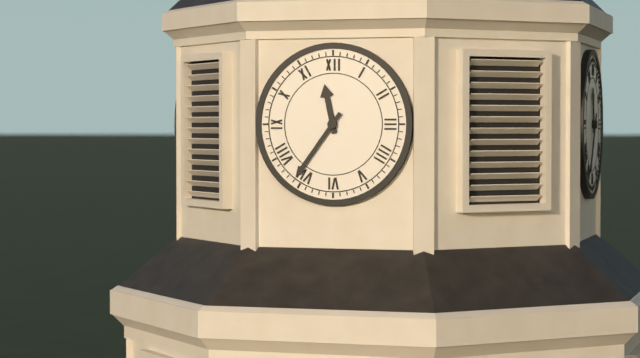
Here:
11 h 36 min
